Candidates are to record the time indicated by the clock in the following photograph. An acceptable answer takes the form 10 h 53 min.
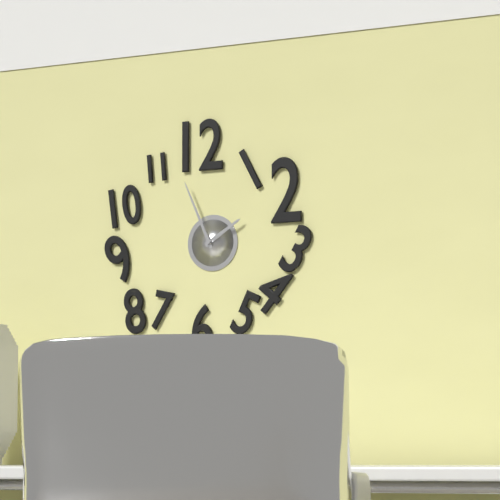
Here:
1 h 56 min
